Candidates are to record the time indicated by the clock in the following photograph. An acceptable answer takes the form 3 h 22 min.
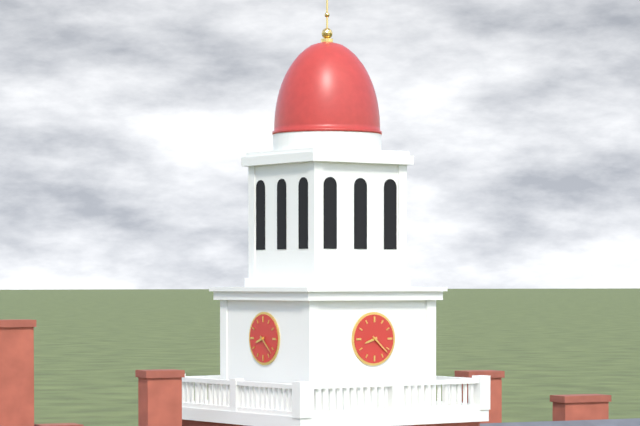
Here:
8 h 22 min
